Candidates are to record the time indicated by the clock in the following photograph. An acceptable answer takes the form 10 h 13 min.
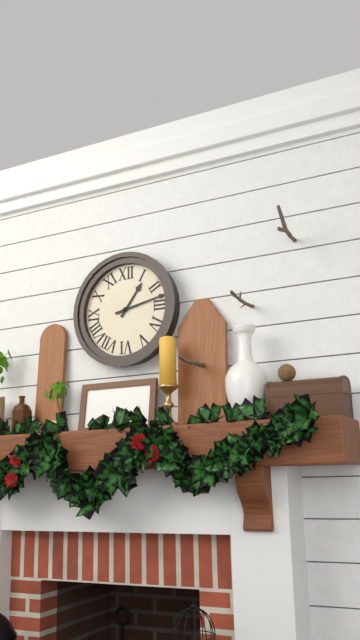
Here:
1 h 13 min
